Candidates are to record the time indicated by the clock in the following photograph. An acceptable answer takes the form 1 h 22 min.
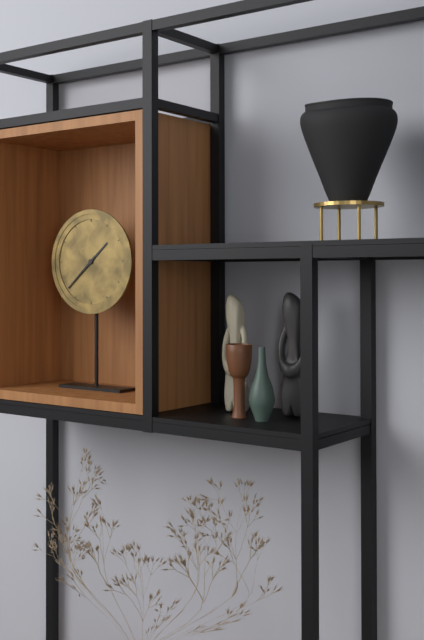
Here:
1 h 38 min
